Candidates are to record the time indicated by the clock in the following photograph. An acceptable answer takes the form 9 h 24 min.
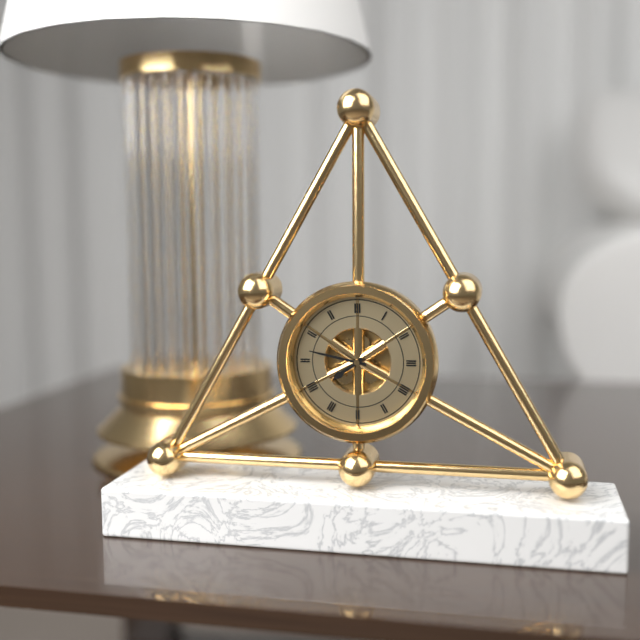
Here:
7 h 47 min
